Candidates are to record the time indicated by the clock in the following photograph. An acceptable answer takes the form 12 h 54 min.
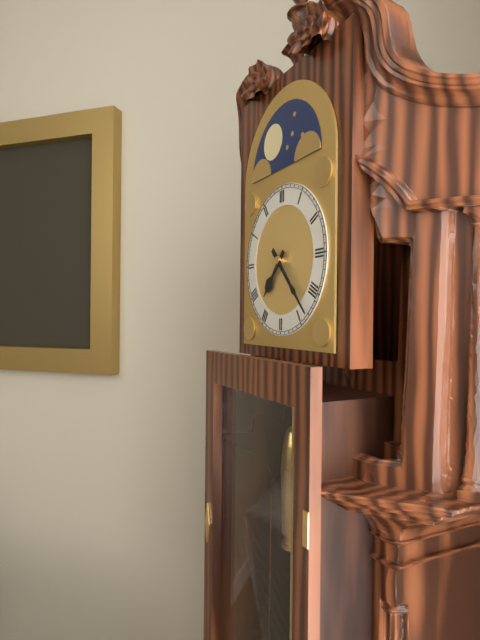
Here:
7 h 23 min
